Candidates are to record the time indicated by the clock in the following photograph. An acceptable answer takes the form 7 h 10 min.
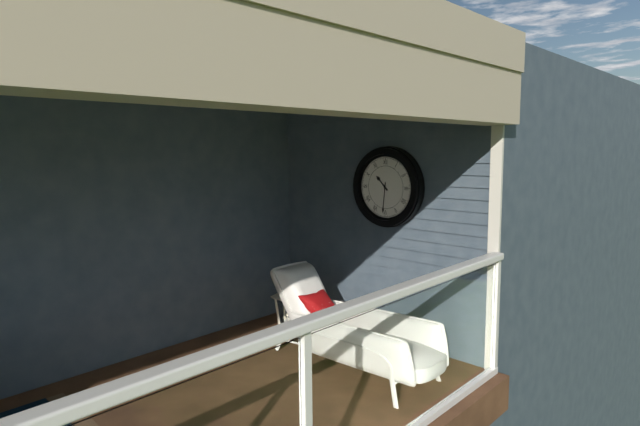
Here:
10 h 31 min
